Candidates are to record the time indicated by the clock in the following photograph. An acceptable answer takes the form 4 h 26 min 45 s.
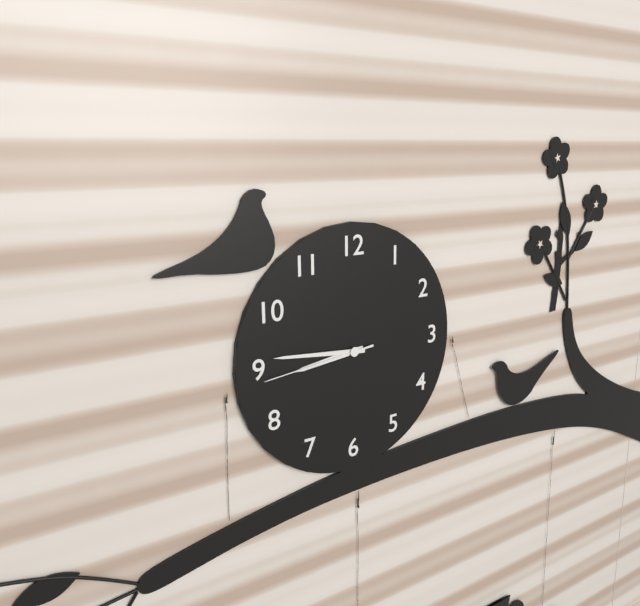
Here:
8 h 46 min 44 s
